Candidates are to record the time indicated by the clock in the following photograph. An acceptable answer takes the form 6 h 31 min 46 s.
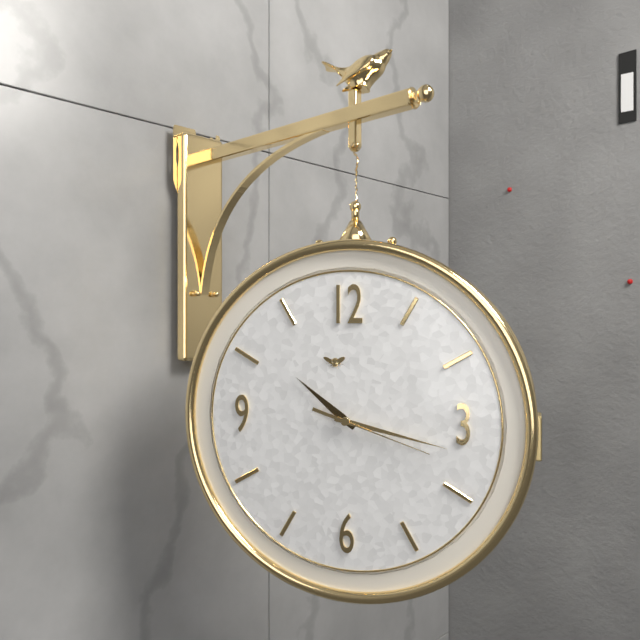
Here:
10 h 17 min 18 s
